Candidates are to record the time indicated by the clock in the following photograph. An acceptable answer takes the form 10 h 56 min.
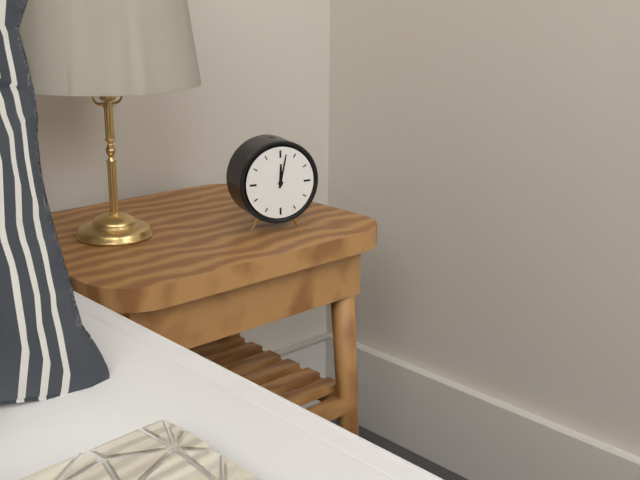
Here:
12 h 02 min
